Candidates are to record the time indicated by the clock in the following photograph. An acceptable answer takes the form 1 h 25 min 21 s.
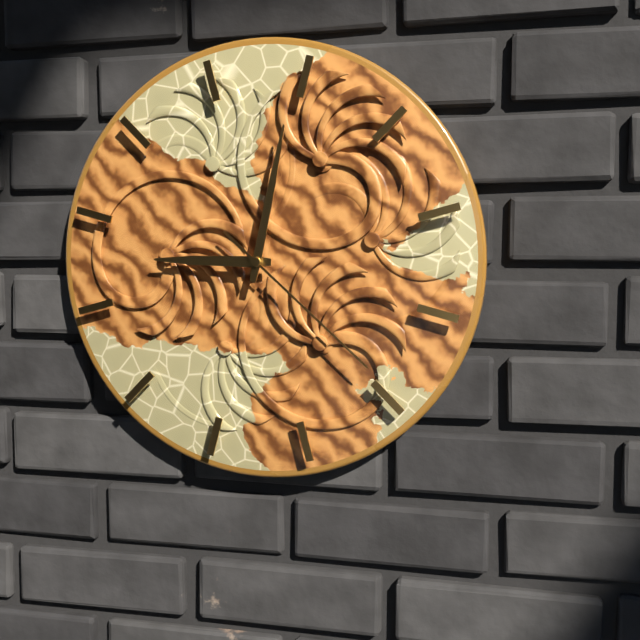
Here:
9 h 02 min 22 s
